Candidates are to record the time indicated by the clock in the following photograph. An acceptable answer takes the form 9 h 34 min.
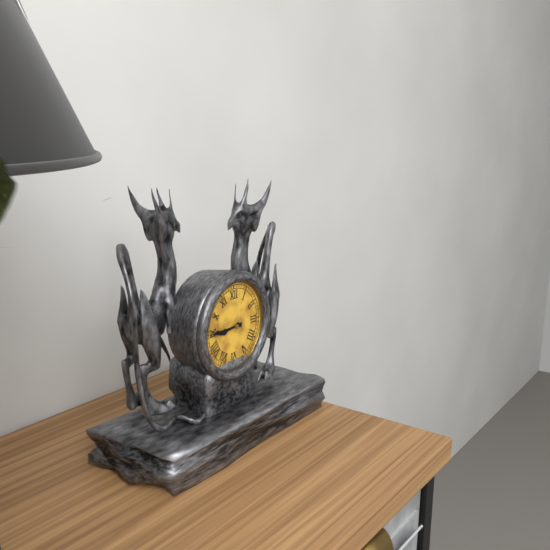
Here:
8 h 45 min
